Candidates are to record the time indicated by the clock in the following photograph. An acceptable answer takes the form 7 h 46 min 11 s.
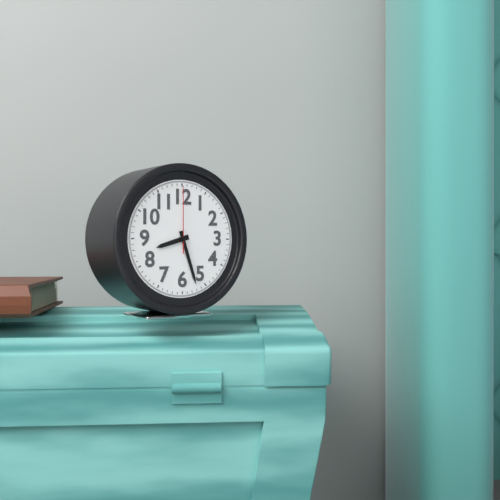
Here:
8 h 27 min 00 s
